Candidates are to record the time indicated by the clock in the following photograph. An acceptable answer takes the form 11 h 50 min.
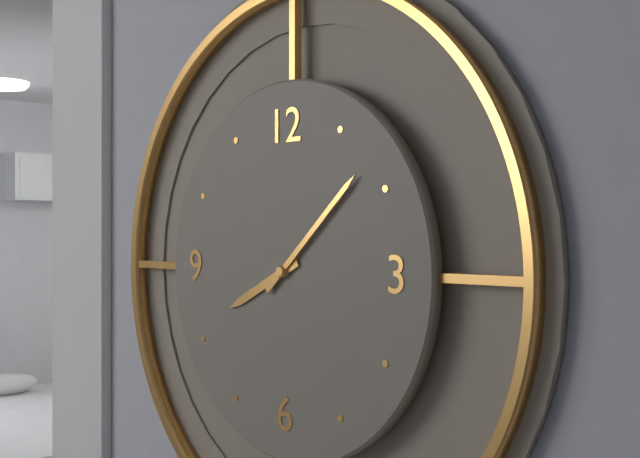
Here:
8 h 08 min
